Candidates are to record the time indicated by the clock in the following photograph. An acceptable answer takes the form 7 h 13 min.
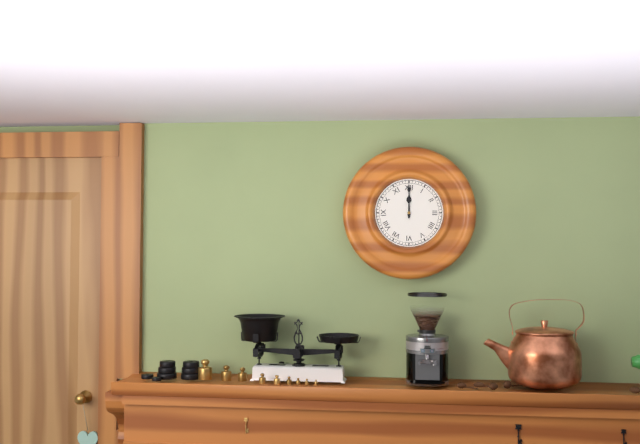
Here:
12 h 00 min
